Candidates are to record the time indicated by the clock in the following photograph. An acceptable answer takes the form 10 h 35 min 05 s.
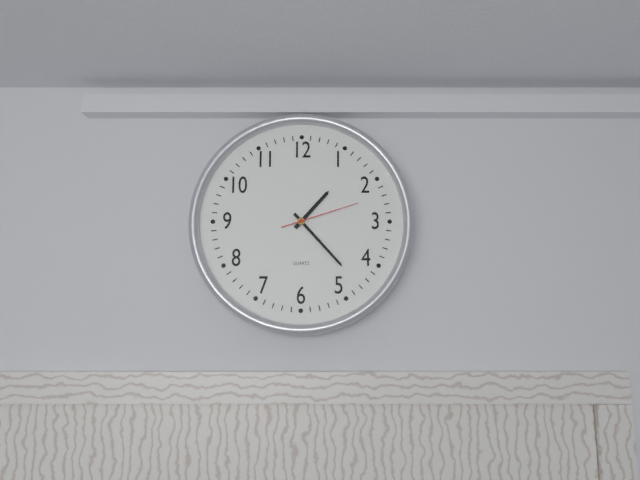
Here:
1 h 23 min 12 s
